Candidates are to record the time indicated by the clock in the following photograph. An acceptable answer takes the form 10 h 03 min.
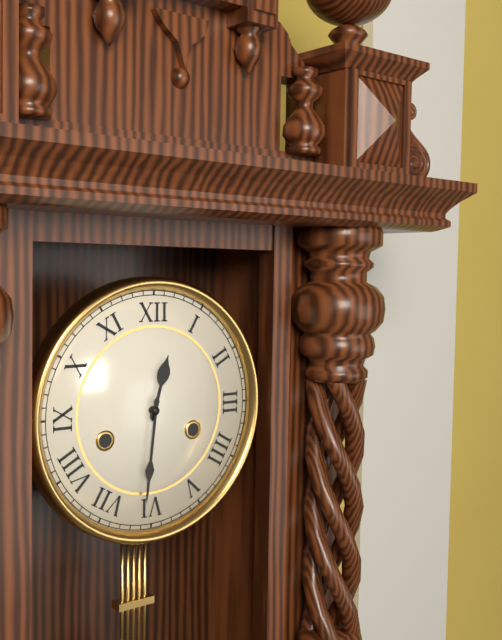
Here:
12 h 31 min
